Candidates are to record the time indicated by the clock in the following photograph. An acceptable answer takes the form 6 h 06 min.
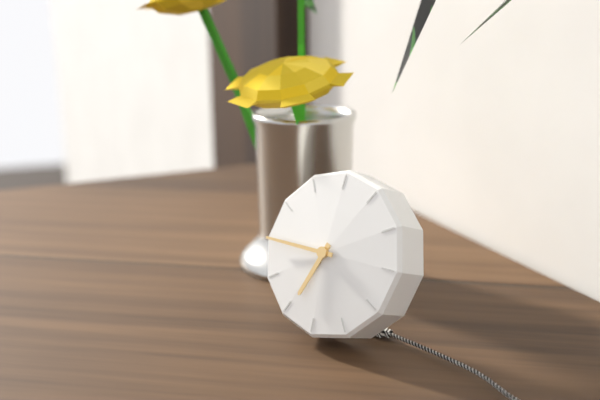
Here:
6 h 45 min
